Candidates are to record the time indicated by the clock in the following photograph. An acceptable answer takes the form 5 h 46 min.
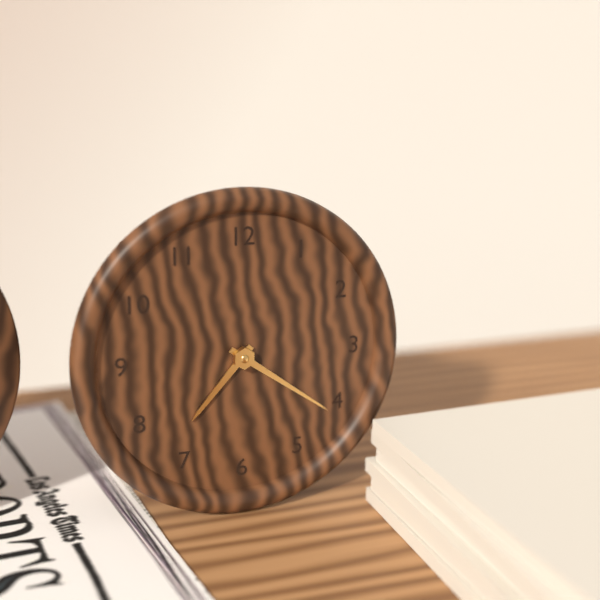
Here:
7 h 21 min
